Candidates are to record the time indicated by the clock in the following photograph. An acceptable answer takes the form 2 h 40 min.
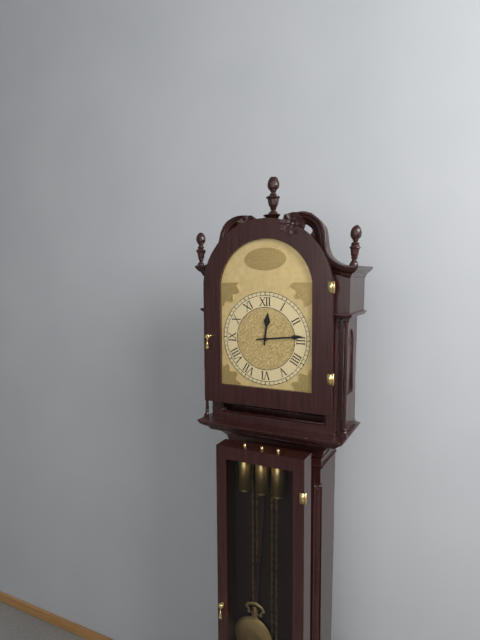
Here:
12 h 14 min
